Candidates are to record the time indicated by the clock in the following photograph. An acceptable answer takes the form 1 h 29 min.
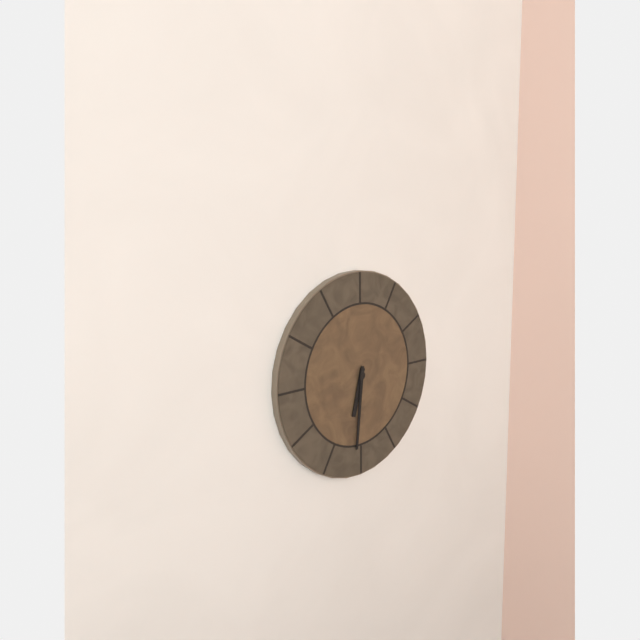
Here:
6 h 31 min
